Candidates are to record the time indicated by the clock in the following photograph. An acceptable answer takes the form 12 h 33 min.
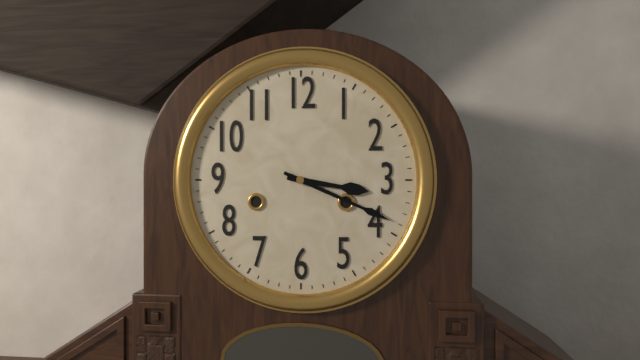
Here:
3 h 19 min
